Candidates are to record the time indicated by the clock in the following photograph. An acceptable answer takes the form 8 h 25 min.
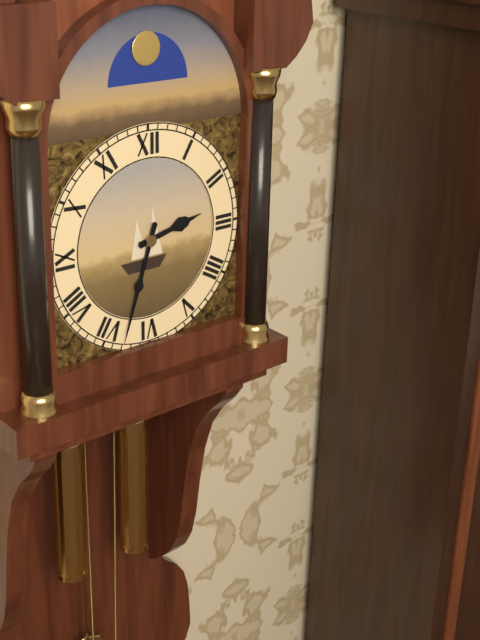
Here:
2 h 33 min
